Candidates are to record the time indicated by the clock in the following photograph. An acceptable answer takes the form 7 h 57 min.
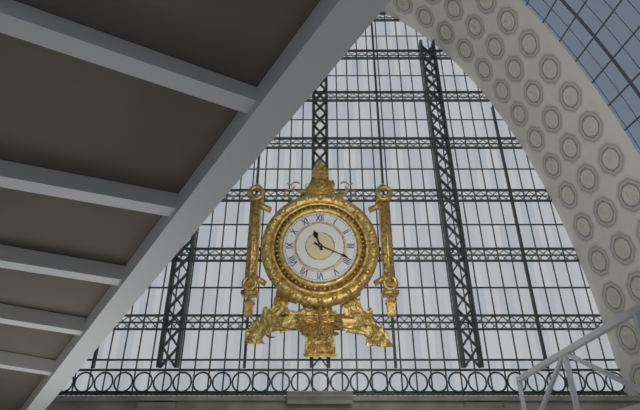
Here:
11 h 19 min
